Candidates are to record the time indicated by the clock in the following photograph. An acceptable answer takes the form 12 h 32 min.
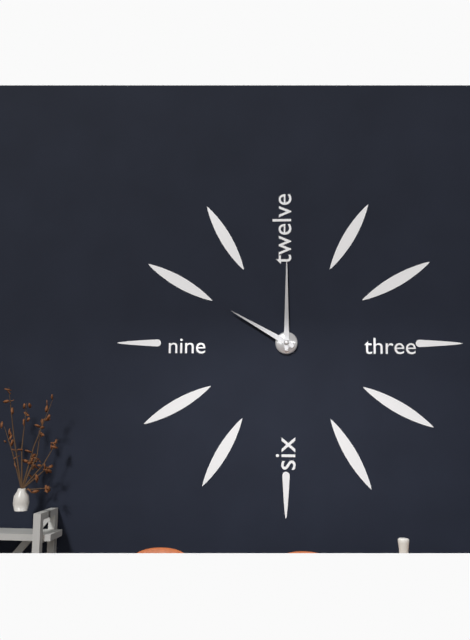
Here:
10 h 00 min
